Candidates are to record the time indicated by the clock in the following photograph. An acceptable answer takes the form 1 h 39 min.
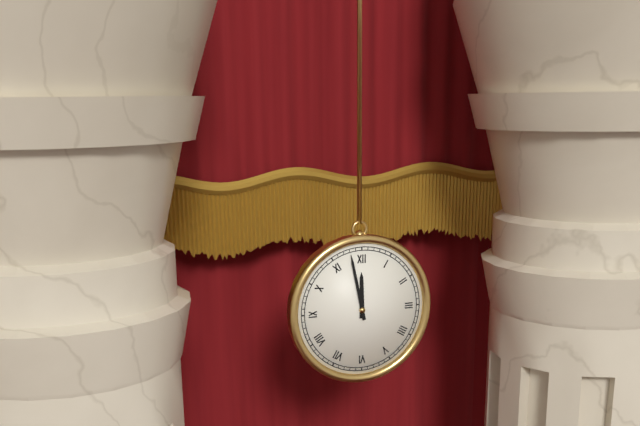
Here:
11 h 58 min
